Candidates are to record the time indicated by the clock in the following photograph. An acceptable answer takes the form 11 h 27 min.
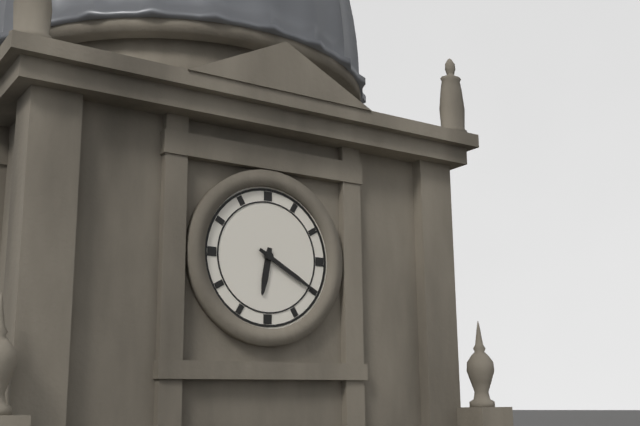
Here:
6 h 20 min
